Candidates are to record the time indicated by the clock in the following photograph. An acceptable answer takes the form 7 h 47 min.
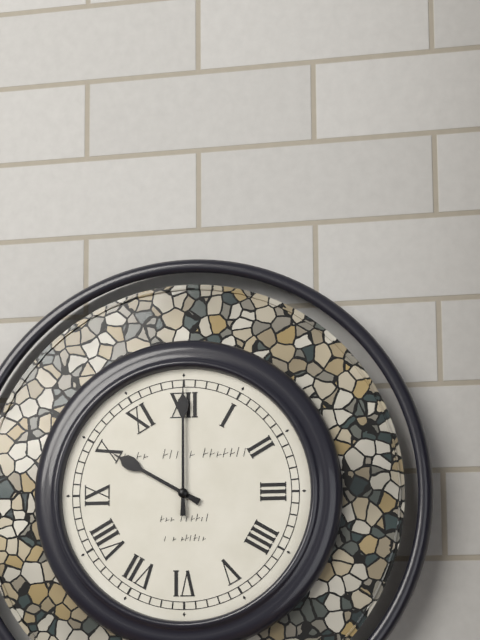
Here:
10 h 00 min
